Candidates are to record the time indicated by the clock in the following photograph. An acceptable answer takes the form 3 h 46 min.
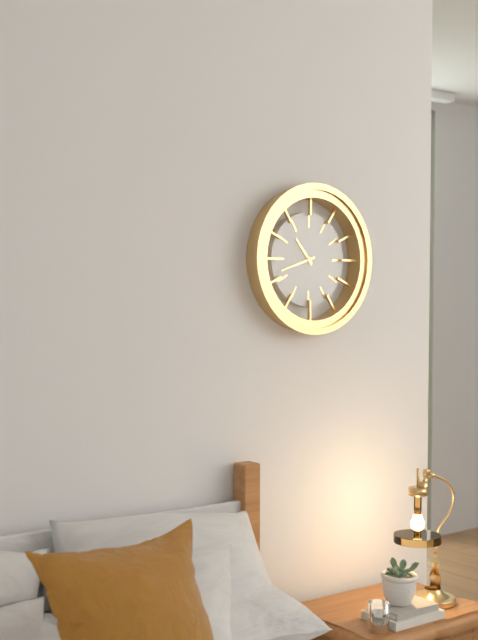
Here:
10 h 42 min
